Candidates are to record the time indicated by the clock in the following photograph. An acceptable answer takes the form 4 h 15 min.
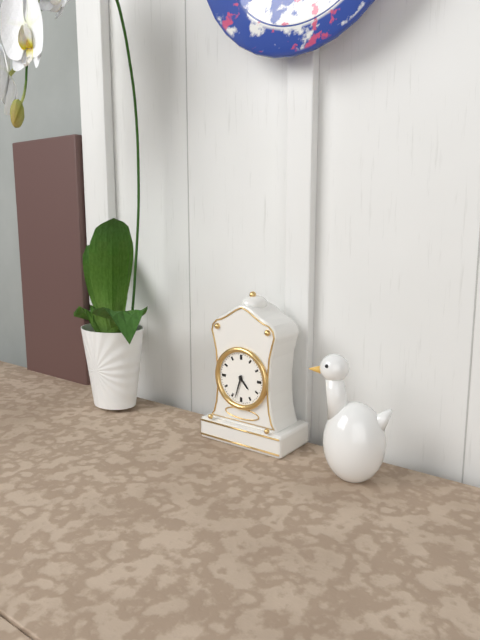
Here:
4 h 33 min
